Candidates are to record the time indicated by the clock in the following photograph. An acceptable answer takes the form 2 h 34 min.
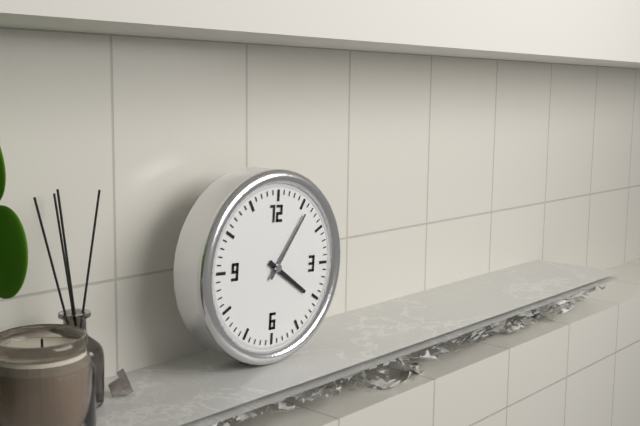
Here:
4 h 06 min
